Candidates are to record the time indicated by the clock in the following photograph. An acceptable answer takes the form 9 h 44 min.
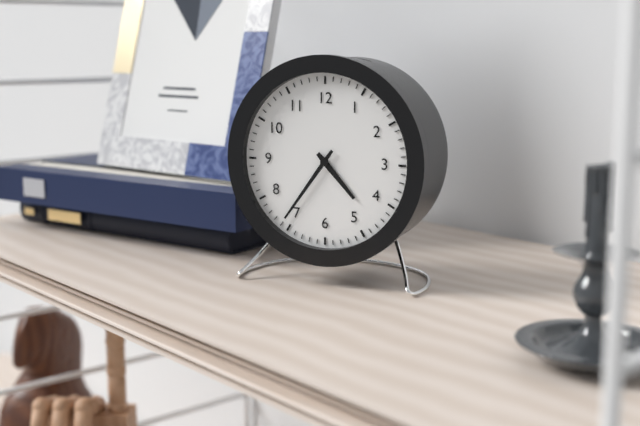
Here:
4 h 36 min
